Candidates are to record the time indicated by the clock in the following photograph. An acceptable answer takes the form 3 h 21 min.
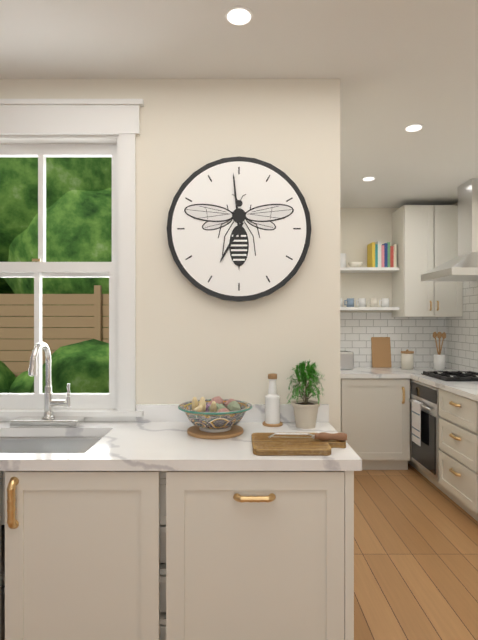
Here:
6 h 59 min
